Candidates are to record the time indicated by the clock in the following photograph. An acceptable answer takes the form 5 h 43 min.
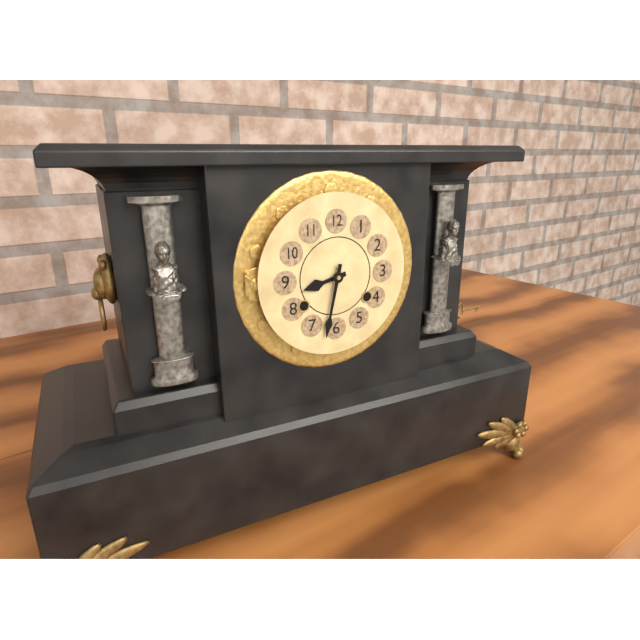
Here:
8 h 32 min
